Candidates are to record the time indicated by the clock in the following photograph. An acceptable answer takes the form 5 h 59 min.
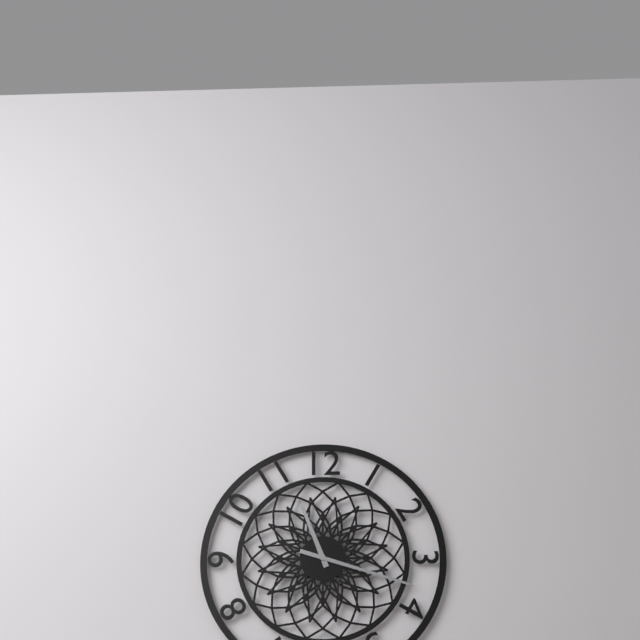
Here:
11 h 18 min
